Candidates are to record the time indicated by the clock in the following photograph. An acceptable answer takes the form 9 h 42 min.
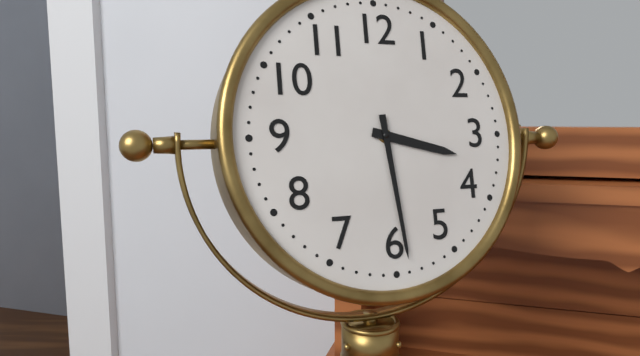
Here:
3 h 29 min
